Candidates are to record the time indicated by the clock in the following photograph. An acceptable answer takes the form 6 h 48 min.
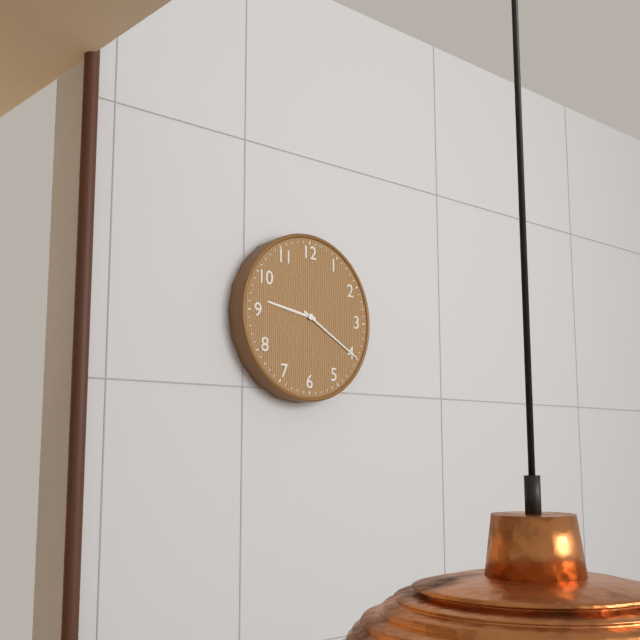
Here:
9 h 20 min
